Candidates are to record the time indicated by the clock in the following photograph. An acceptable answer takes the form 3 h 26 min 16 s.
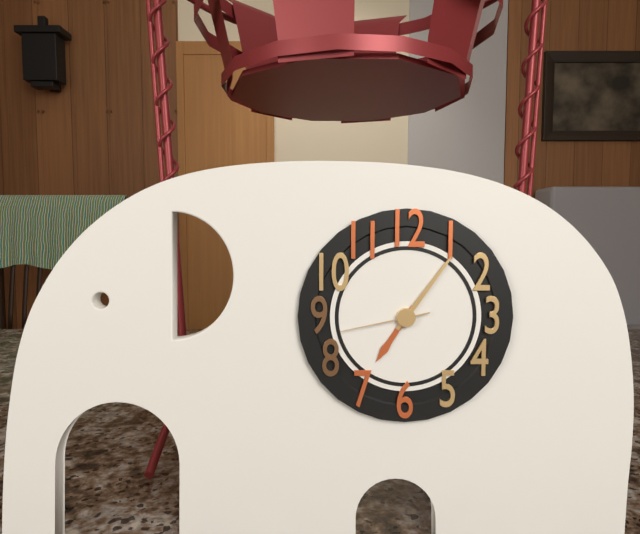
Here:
7 h 06 min 43 s
